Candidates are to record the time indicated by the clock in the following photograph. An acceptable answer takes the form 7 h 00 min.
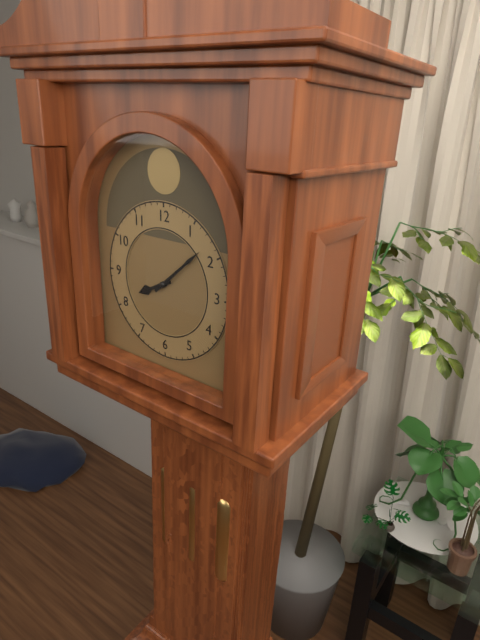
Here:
8 h 08 min
